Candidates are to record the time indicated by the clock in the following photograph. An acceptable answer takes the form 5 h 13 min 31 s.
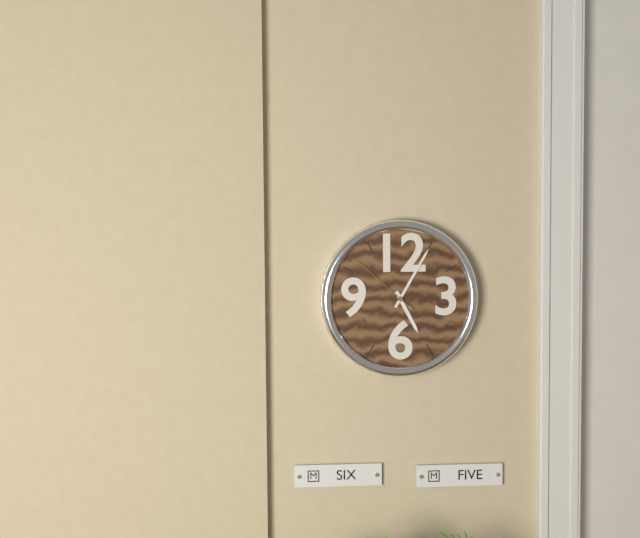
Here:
5 h 05 min 52 s
